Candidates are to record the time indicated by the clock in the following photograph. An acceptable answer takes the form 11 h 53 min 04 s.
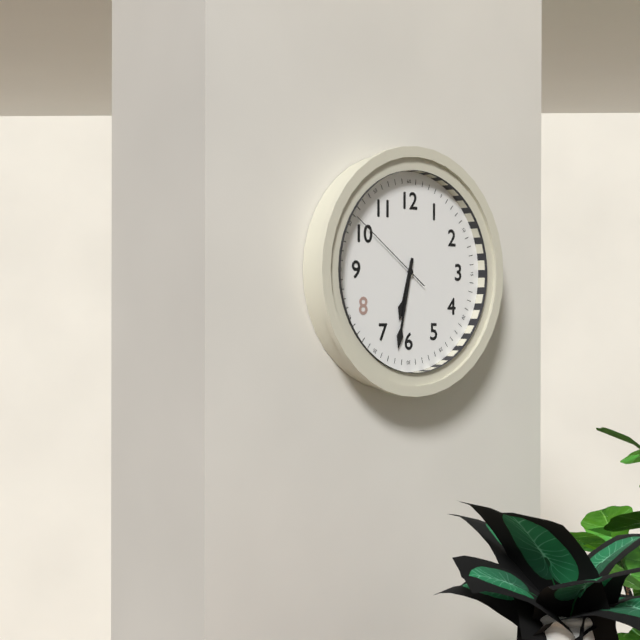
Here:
6 h 32 min 51 s
